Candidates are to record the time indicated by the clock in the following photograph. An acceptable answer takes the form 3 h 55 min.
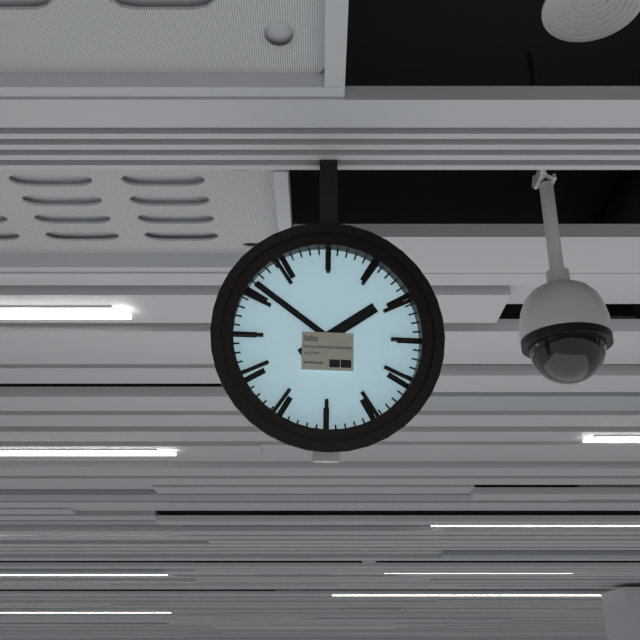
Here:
1 h 51 min
